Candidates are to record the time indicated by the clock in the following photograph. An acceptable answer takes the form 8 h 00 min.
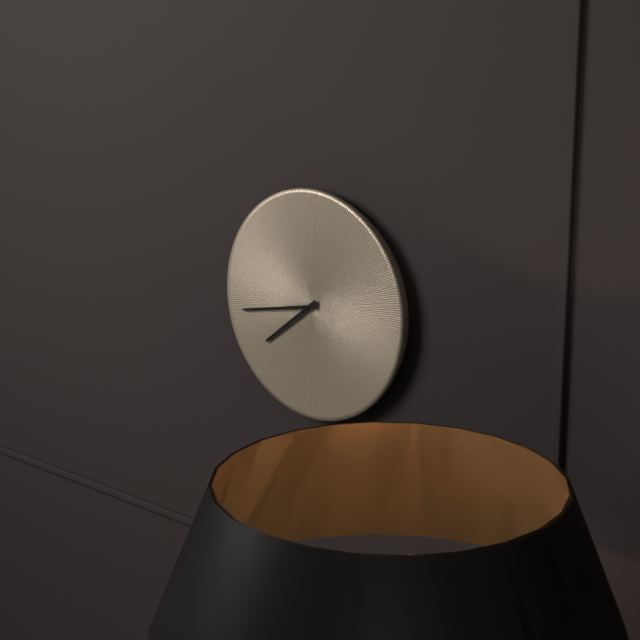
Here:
7 h 43 min
